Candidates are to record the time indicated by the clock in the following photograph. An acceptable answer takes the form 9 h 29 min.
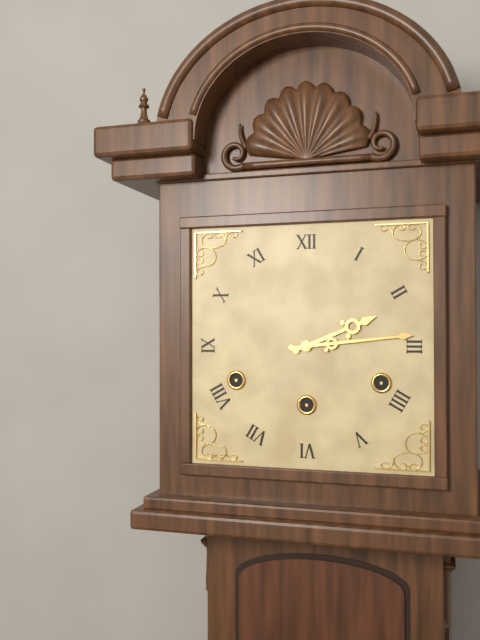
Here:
2 h 14 min
